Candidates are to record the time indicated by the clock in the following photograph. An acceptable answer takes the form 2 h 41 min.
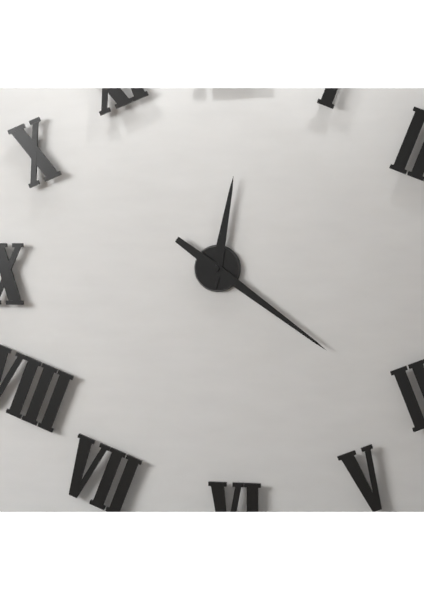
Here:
12 h 21 min
